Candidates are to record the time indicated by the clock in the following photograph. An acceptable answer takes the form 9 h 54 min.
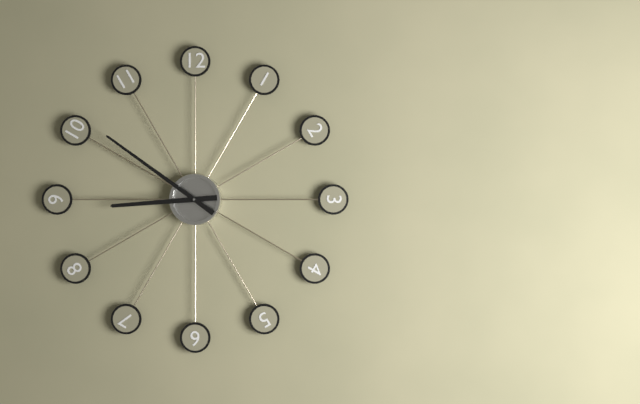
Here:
8 h 51 min
